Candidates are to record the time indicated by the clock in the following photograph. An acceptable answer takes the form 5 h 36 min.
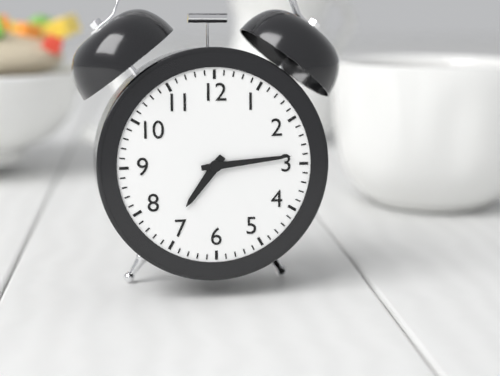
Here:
7 h 14 min
